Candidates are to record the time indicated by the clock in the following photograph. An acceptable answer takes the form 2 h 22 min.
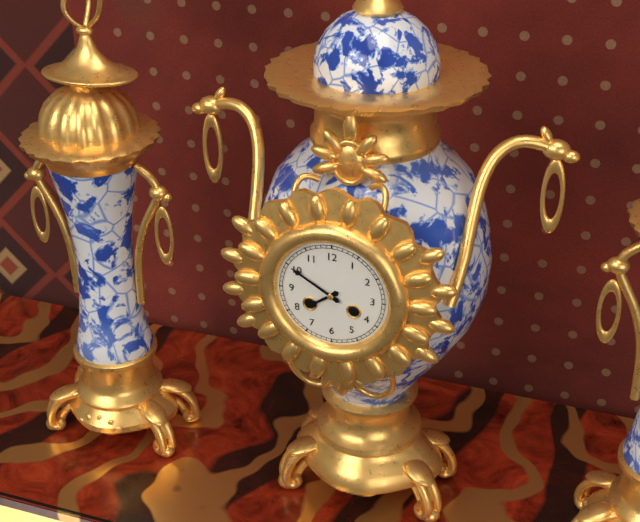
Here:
7 h 50 min
